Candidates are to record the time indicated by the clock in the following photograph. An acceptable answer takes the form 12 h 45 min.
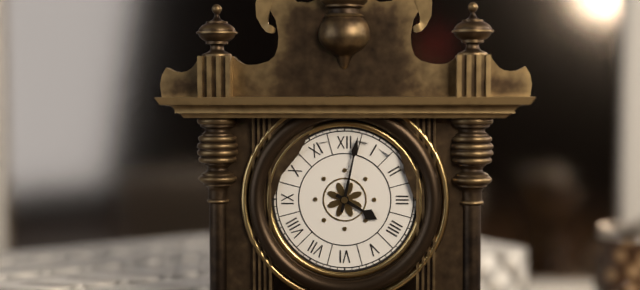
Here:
4 h 02 min
